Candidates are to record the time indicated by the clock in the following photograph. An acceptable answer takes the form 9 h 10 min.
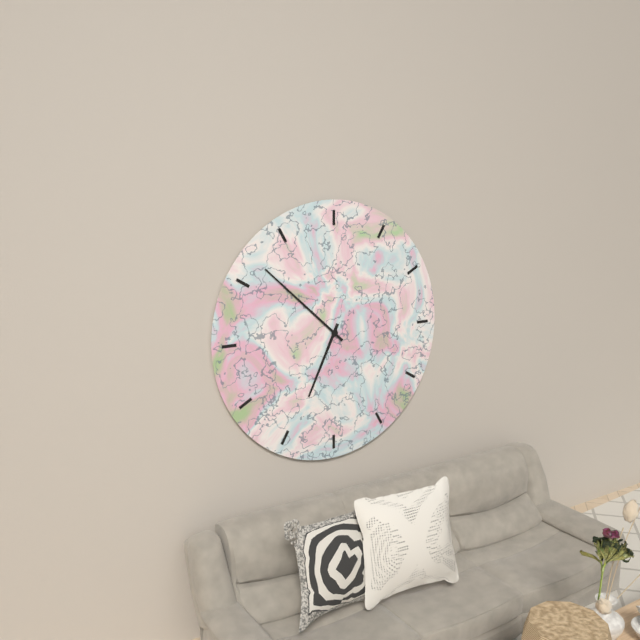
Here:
6 h 52 min
